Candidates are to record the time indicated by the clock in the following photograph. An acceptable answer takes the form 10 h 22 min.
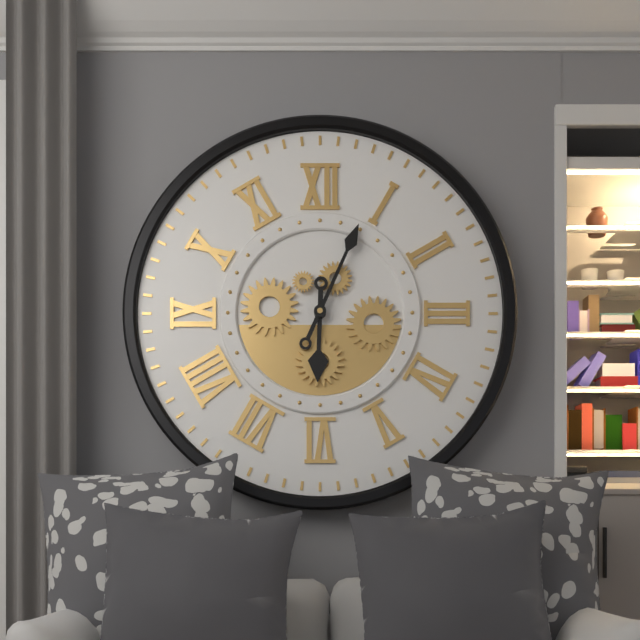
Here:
6 h 04 min
